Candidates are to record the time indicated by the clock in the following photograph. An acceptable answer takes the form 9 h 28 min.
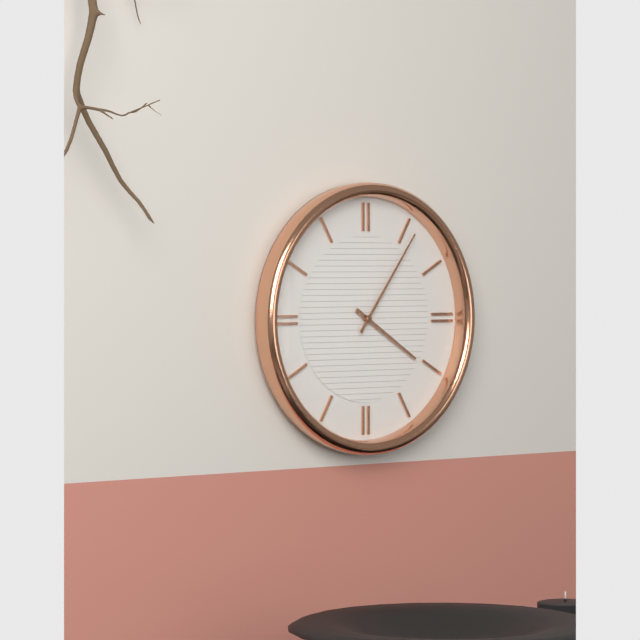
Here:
4 h 06 min
